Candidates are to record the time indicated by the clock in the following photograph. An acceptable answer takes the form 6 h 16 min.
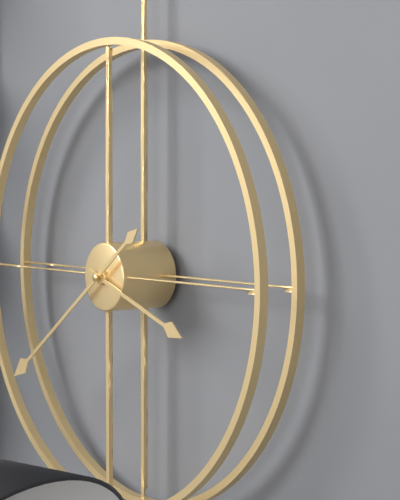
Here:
3 h 39 min
